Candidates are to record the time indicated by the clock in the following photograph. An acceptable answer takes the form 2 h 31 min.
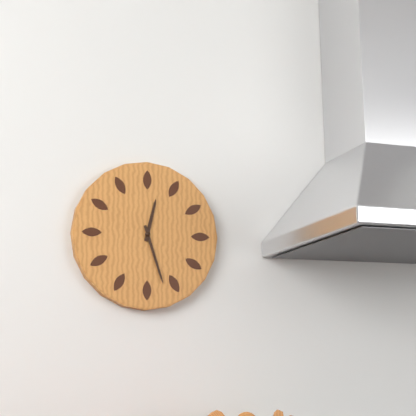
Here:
12 h 27 min
